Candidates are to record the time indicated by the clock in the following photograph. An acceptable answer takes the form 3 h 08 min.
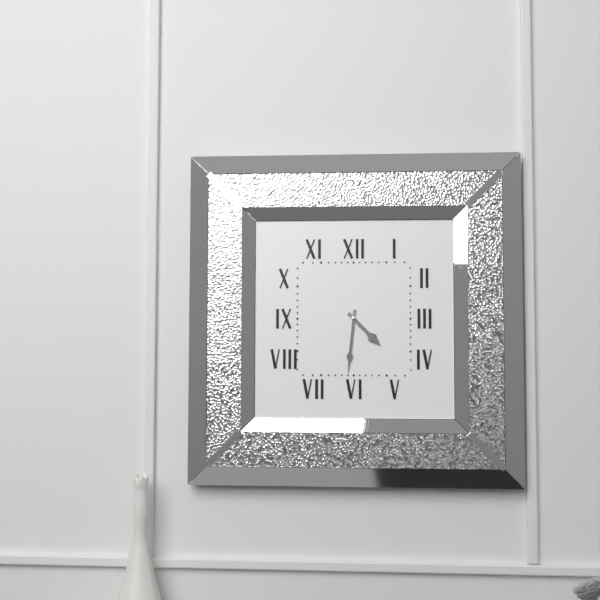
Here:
4 h 31 min
